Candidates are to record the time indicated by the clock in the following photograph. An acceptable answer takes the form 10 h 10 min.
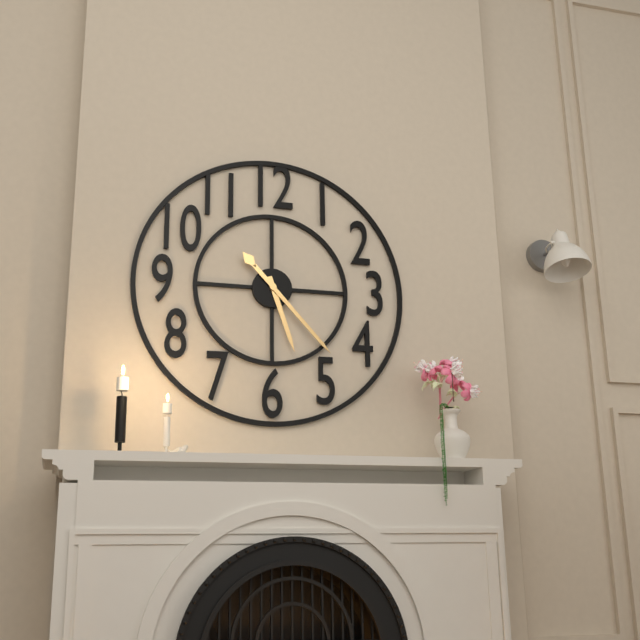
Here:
5 h 23 min
